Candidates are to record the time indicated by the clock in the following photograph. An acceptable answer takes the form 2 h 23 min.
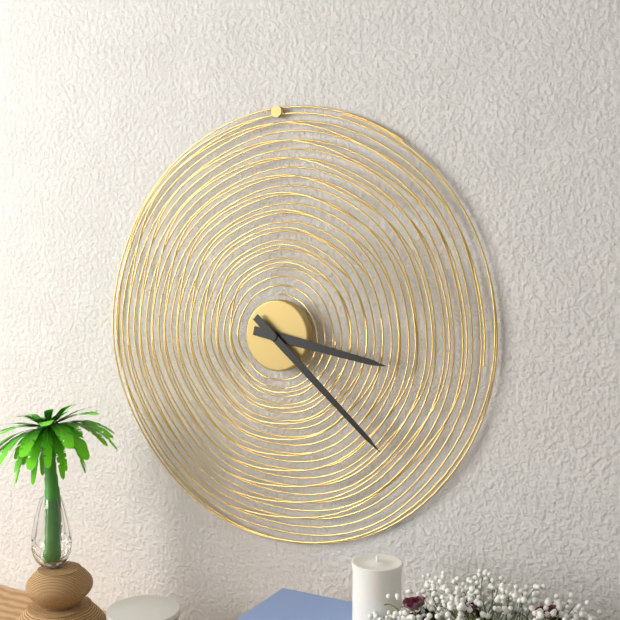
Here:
3 h 22 min
